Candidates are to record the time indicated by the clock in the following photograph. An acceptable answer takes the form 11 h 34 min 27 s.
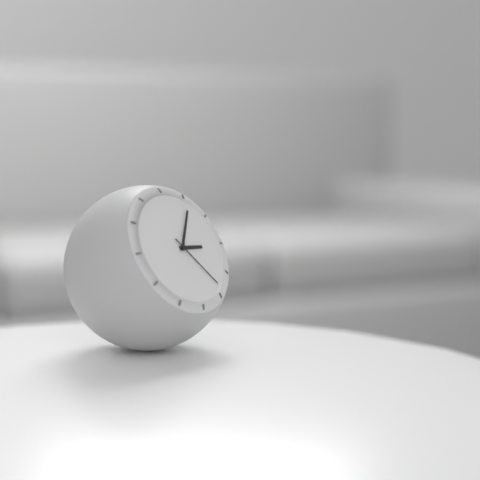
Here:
3 h 06 min 24 s
